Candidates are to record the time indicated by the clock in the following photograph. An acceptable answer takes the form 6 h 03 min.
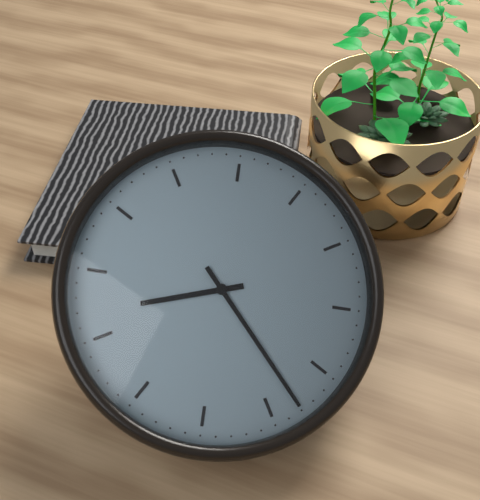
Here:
8 h 23 min
